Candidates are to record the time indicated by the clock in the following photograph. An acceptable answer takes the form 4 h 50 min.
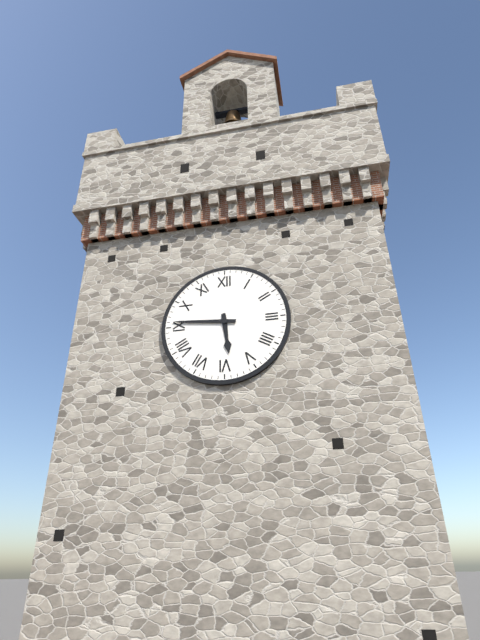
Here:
5 h 46 min
